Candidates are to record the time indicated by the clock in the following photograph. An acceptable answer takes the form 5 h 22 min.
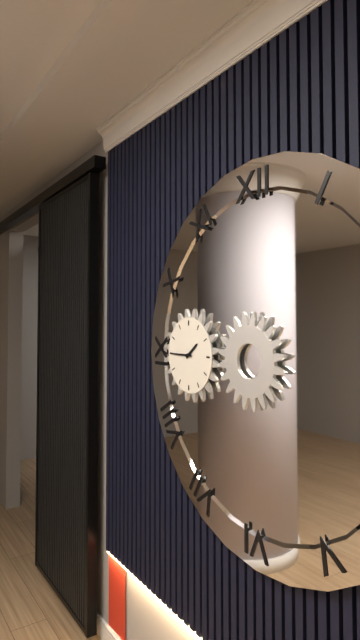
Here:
1 h 45 min
